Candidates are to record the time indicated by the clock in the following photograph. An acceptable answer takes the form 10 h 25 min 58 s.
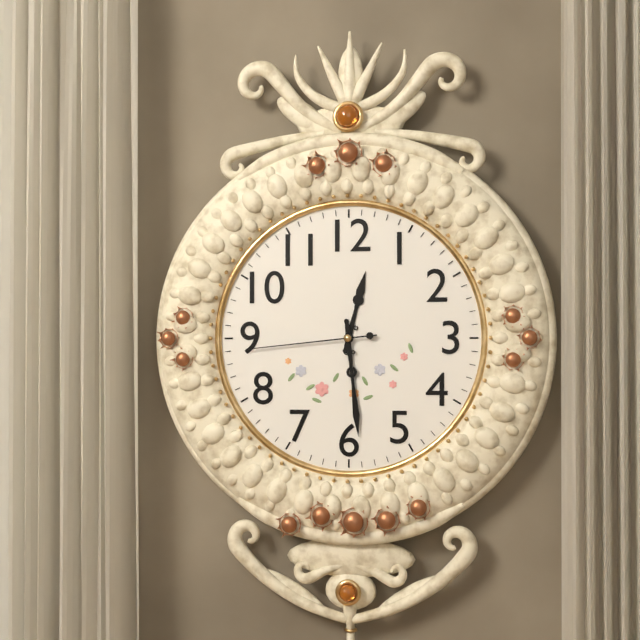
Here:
12 h 29 min 44 s
